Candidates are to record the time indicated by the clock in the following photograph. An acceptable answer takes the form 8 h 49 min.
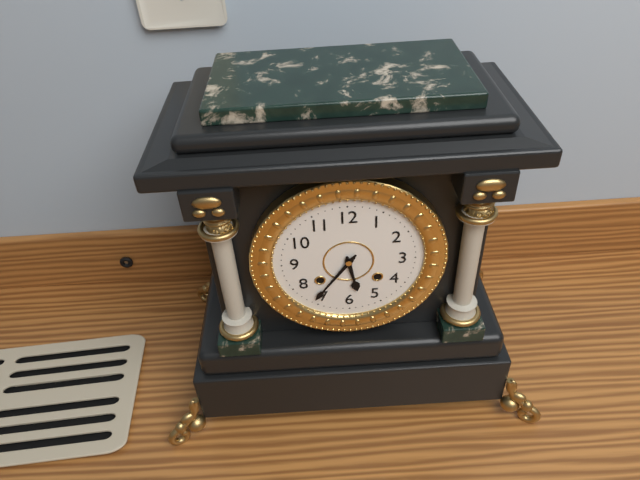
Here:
5 h 36 min
